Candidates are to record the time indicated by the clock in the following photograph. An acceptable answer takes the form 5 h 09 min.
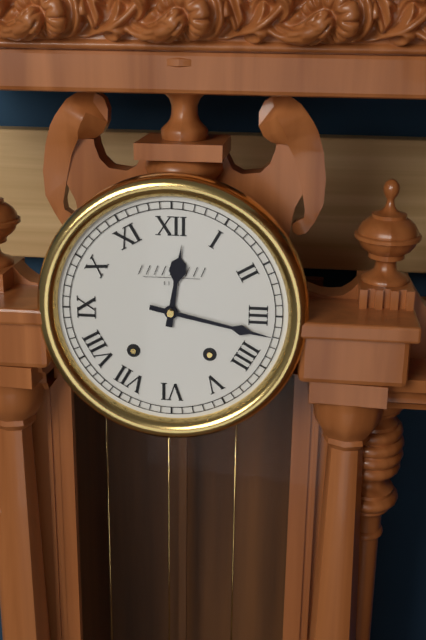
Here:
12 h 17 min
